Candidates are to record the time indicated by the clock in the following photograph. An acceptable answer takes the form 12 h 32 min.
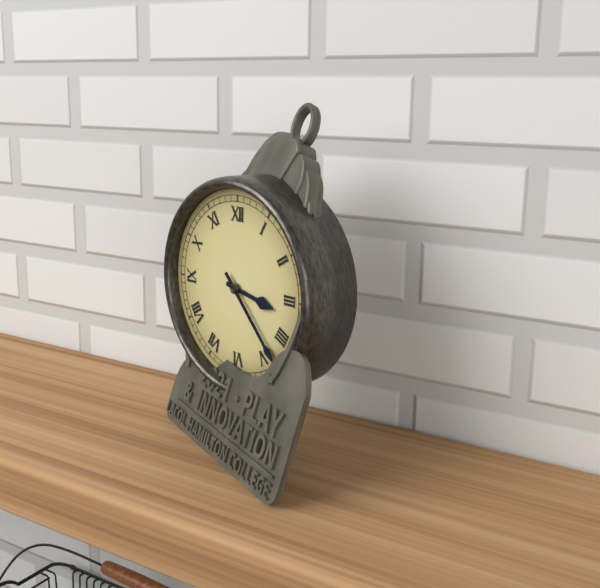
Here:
3 h 23 min
